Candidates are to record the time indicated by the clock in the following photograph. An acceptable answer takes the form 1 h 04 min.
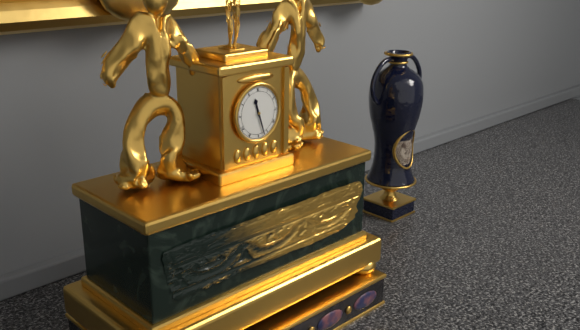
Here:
11 h 27 min
